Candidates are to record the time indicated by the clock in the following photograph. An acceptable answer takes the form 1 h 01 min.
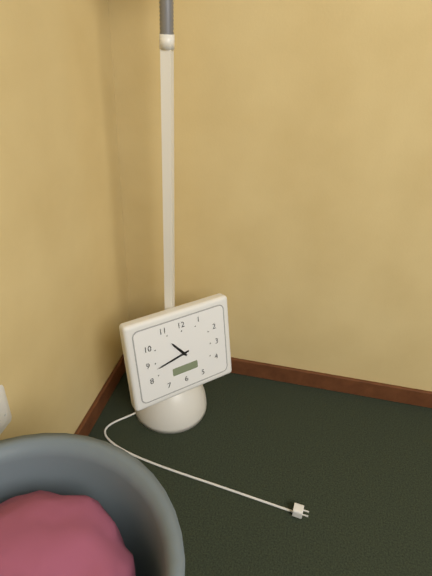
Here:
10 h 43 min
